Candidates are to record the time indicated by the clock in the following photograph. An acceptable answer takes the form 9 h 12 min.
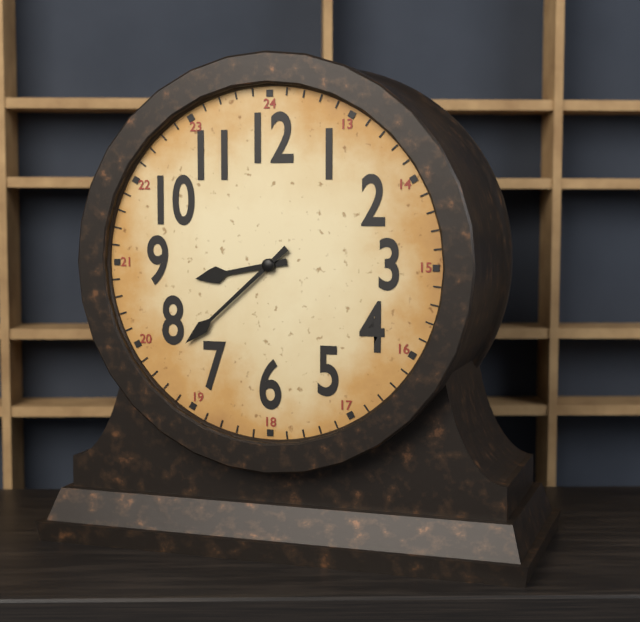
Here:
8 h 38 min
